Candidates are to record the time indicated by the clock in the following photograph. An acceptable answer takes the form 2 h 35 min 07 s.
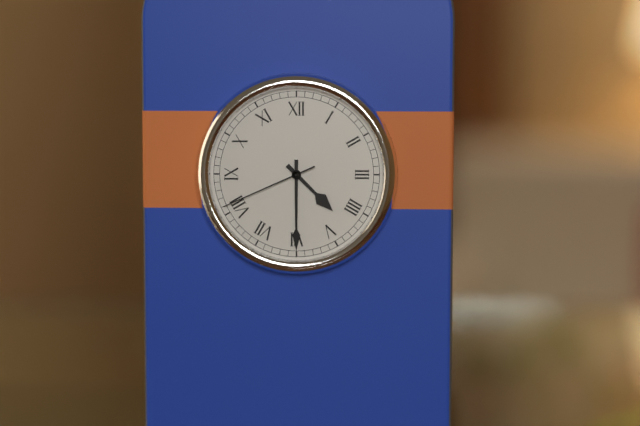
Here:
4 h 30 min 41 s
